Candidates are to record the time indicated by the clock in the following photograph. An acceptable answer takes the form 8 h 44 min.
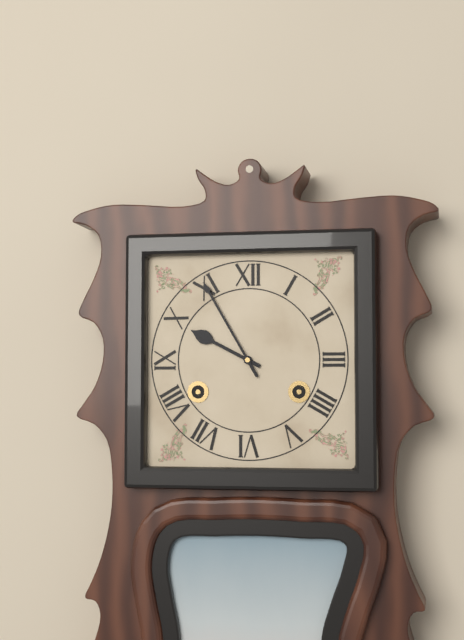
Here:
9 h 55 min
